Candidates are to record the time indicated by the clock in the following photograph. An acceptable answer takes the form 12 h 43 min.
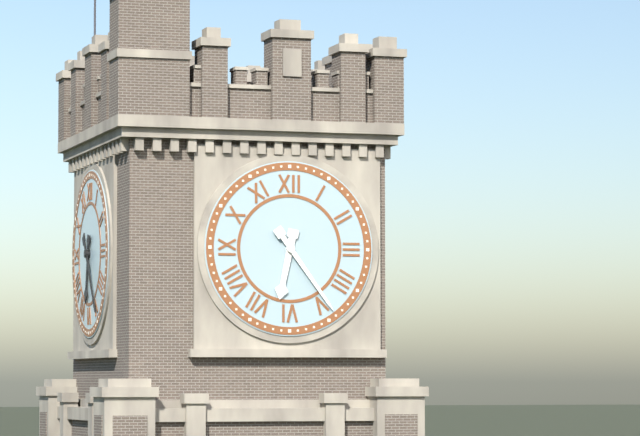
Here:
6 h 24 min
